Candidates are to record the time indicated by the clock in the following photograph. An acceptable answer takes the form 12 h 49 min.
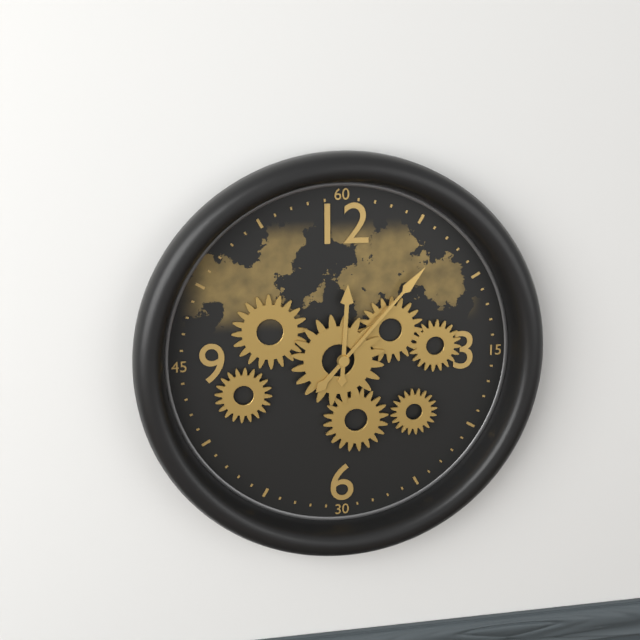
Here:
12 h 07 min
